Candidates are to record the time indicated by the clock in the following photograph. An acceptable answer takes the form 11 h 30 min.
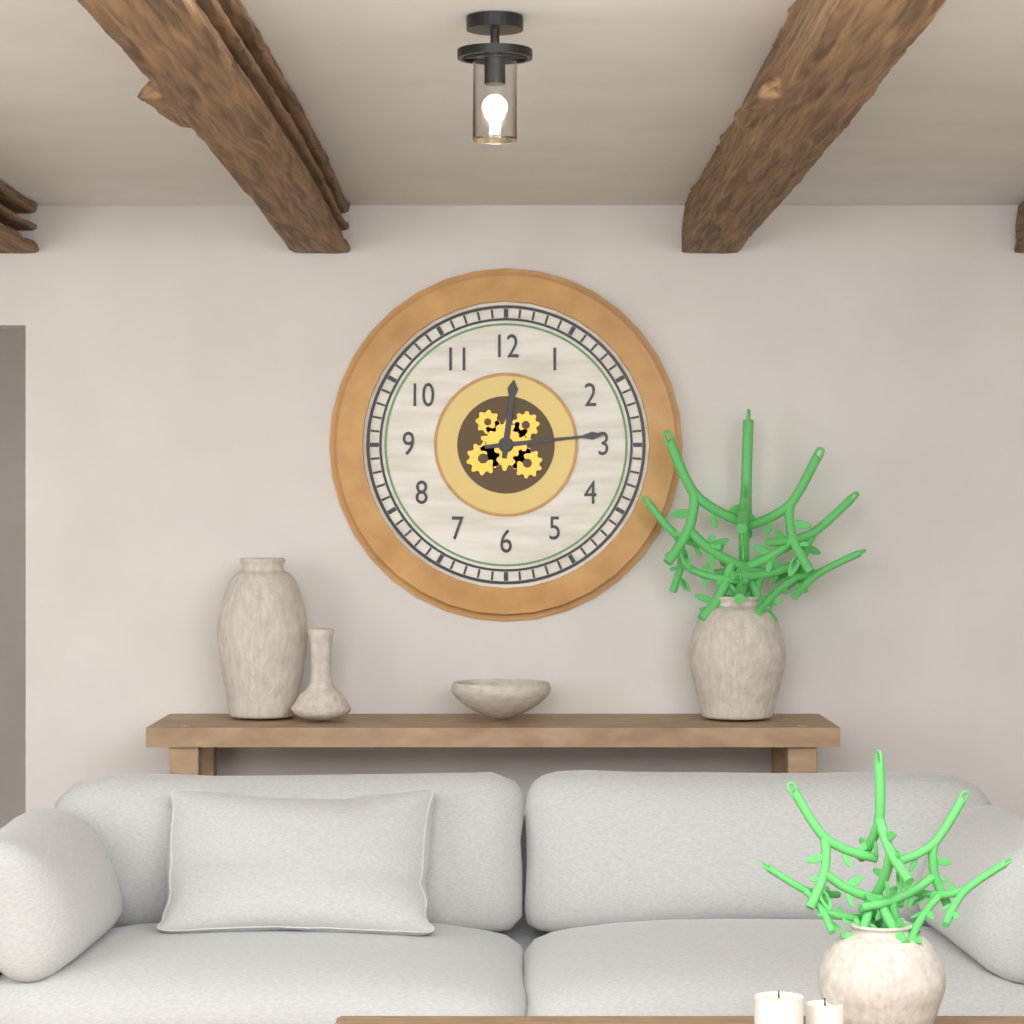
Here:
12 h 14 min
